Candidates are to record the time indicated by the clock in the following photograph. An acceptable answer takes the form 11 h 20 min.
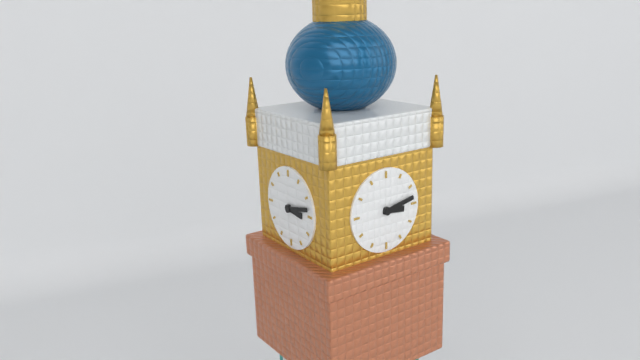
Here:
3 h 13 min
